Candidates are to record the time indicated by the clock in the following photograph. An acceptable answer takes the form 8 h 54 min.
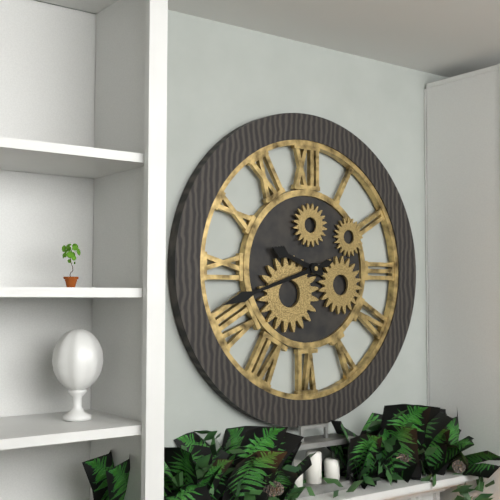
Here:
9 h 42 min
